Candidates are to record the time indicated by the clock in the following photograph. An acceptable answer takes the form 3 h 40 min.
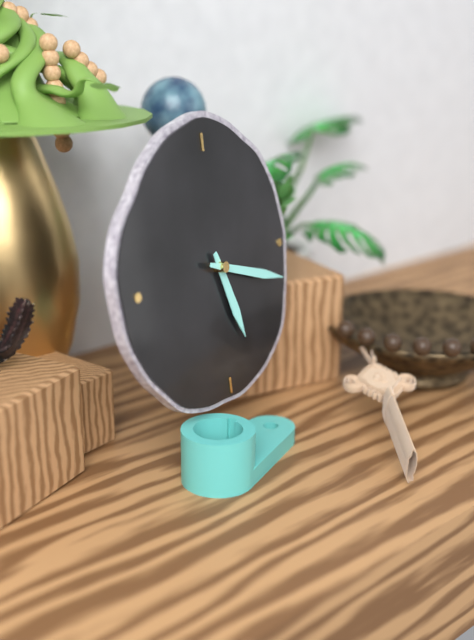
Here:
5 h 18 min
